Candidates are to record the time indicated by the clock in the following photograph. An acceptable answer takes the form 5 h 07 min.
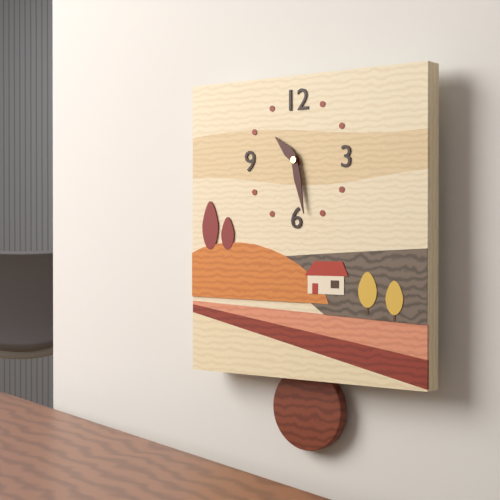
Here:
10 h 28 min
